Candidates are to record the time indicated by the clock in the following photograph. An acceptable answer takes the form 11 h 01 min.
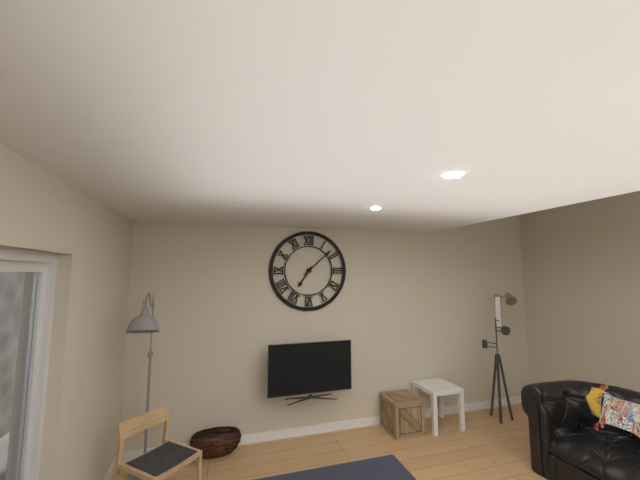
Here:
7 h 08 min
